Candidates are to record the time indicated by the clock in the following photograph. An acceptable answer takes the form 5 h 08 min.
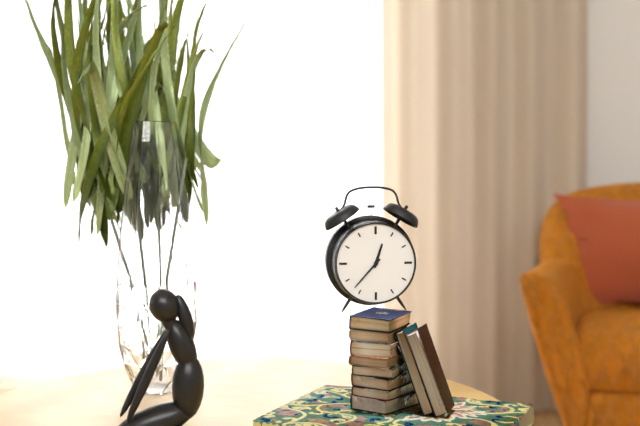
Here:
12 h 37 min
